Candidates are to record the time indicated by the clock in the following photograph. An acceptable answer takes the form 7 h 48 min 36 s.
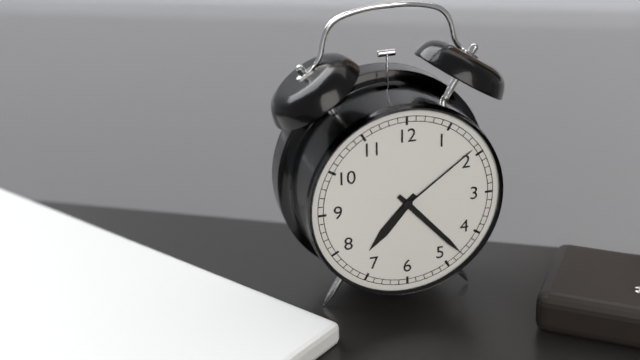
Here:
7 h 23 min 09 s
